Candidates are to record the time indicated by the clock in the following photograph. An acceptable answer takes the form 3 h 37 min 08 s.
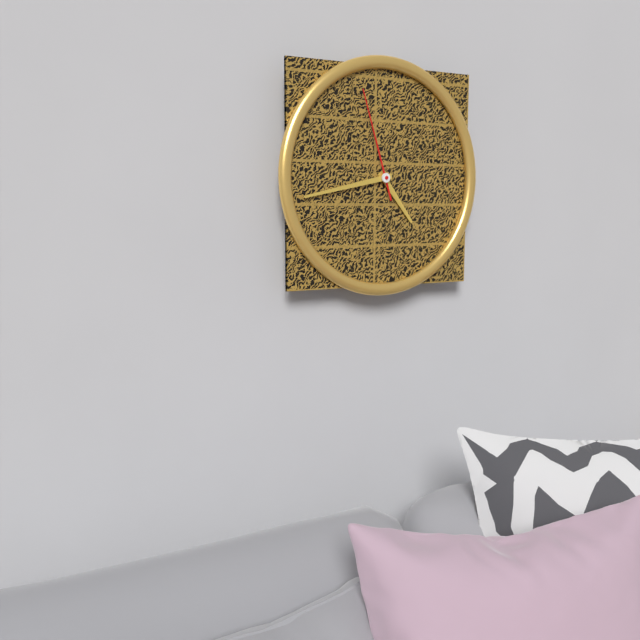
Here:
4 h 43 min 57 s
